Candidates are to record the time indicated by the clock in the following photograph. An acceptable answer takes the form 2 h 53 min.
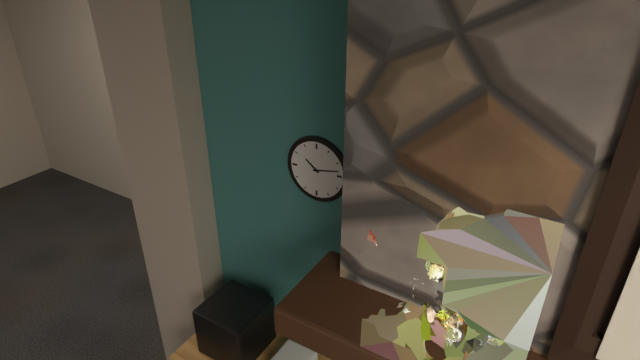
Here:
10 h 13 min
